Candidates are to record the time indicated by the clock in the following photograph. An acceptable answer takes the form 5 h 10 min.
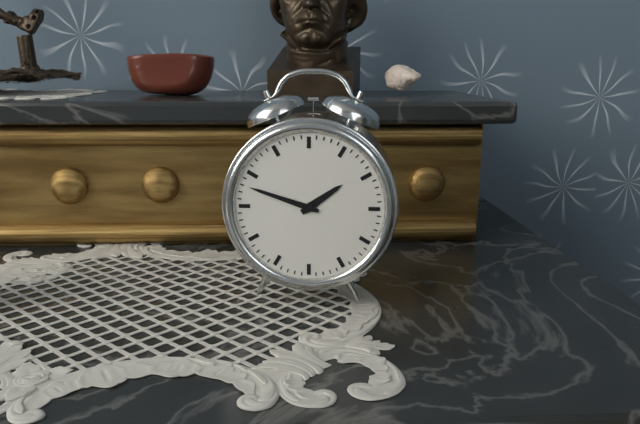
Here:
1 h 48 min
